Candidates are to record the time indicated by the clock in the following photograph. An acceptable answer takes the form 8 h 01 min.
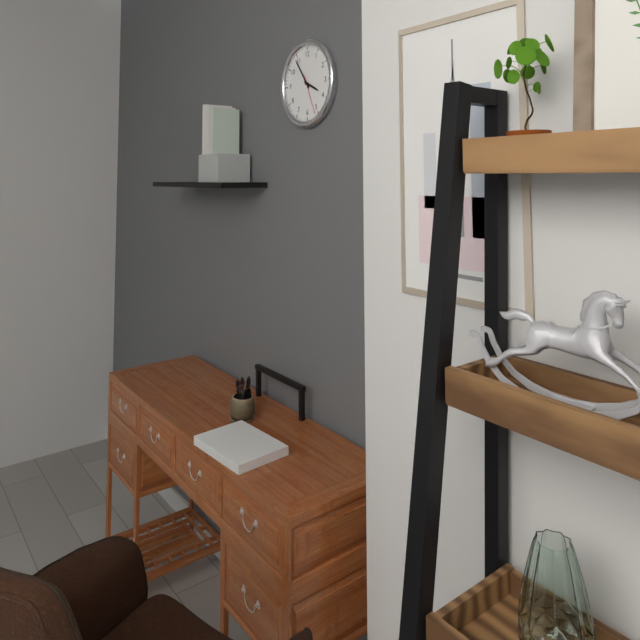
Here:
3 h 54 min
